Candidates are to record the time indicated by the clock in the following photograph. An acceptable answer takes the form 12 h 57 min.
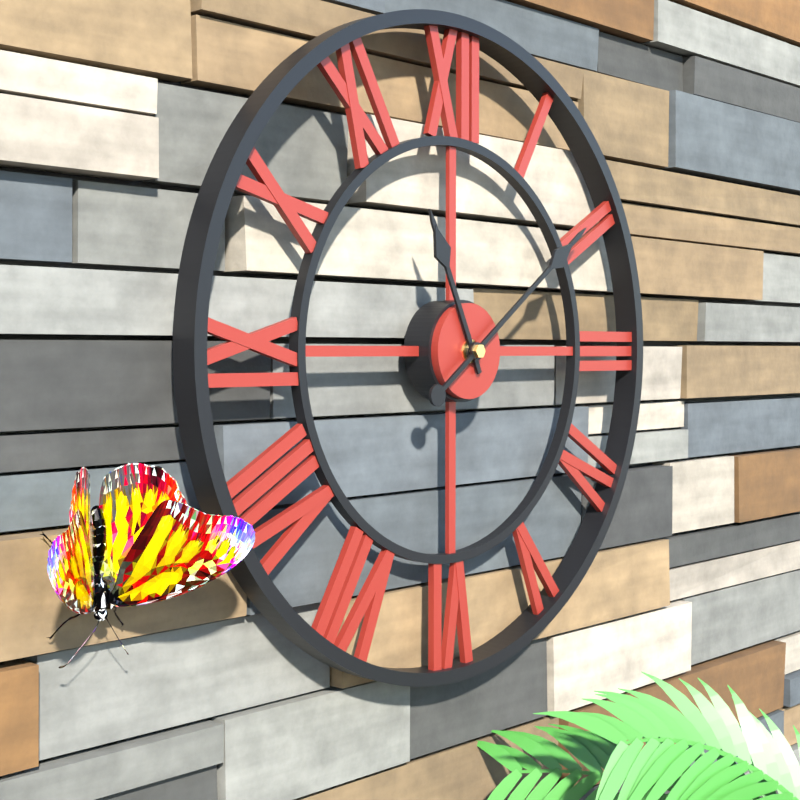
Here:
11 h 09 min
